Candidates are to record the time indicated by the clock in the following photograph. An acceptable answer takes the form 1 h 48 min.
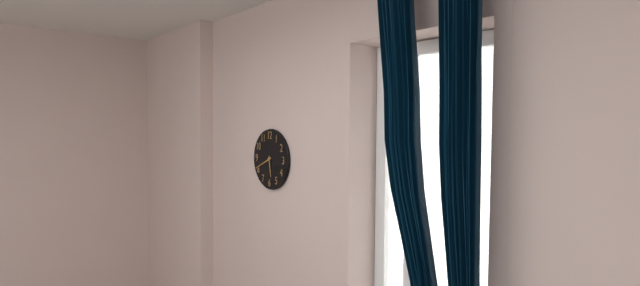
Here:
5 h 41 min
